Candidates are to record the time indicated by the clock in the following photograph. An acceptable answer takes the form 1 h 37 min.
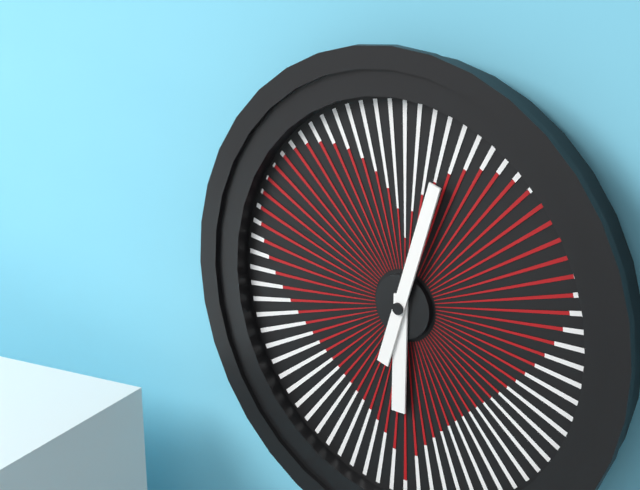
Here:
6 h 03 min
